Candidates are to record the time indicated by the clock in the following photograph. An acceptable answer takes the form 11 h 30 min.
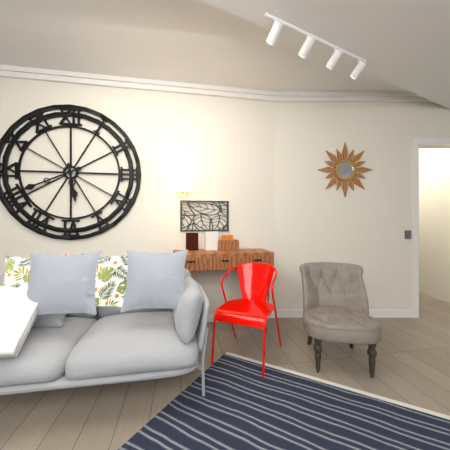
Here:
5 h 41 min
